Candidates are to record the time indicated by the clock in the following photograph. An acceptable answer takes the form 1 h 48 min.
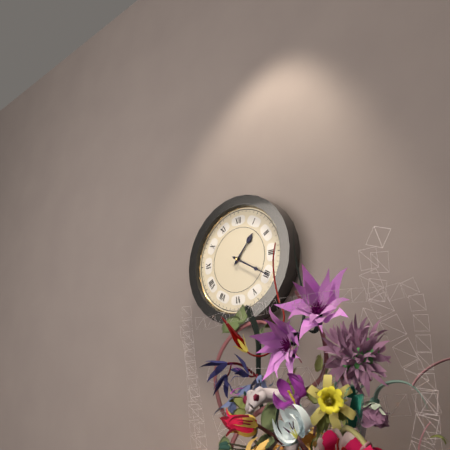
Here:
1 h 20 min
